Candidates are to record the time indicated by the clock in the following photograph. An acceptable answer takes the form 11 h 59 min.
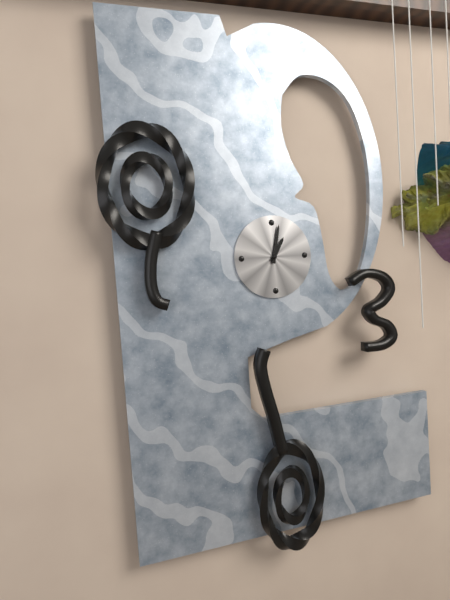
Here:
1 h 02 min
